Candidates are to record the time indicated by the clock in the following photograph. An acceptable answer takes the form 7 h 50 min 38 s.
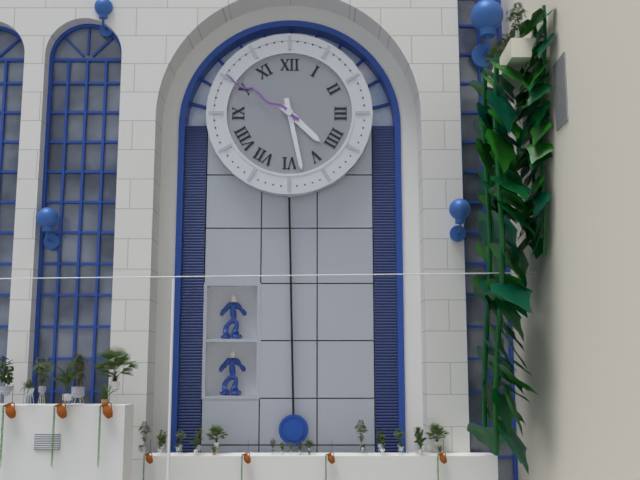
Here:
4 h 28 min 50 s
